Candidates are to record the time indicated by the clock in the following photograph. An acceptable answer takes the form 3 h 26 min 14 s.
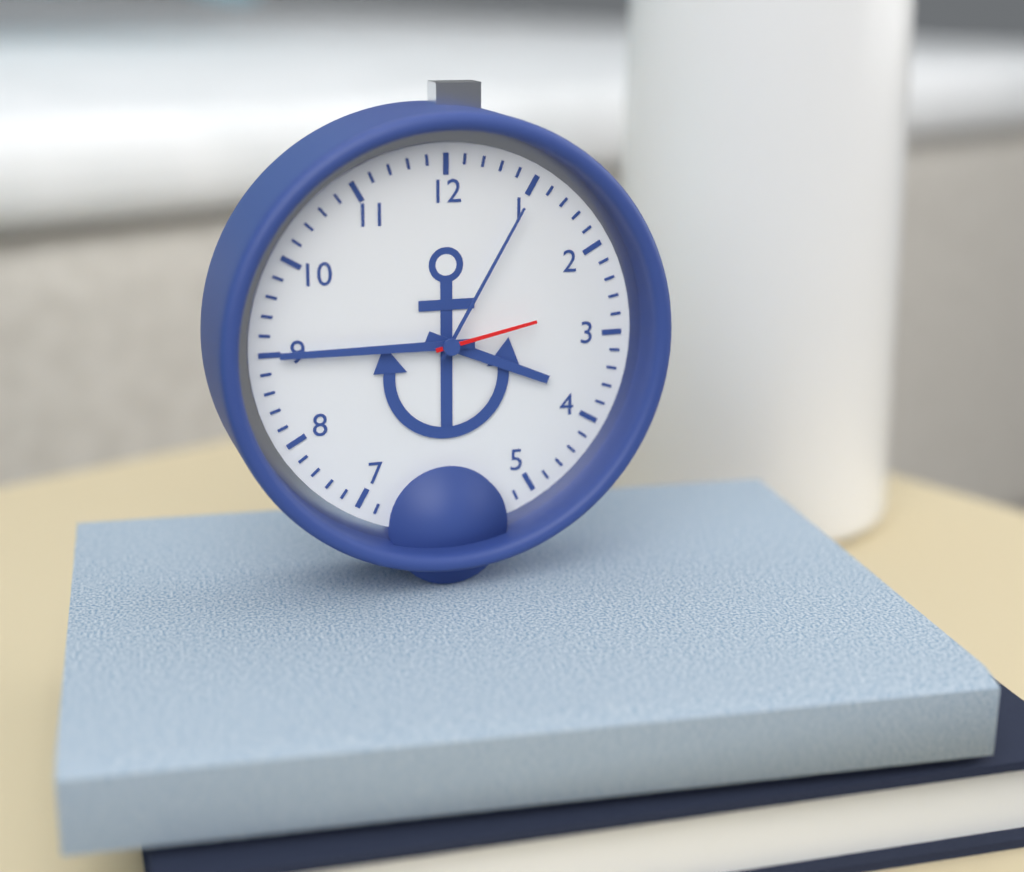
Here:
3 h 45 min 13 s
